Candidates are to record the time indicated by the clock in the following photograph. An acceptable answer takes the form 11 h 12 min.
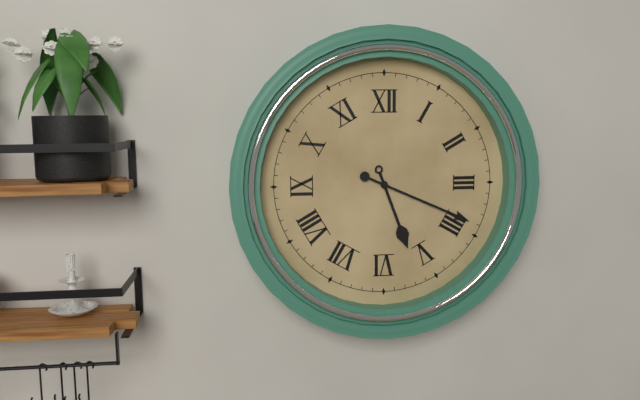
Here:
5 h 19 min
